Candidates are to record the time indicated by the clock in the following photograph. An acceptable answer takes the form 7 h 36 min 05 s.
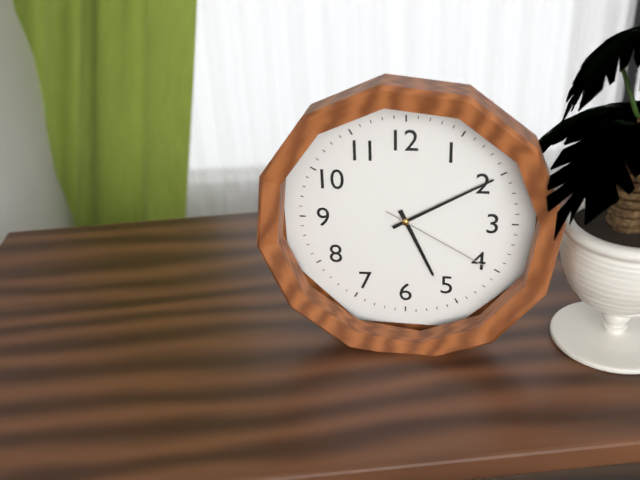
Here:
5 h 10 min 20 s
